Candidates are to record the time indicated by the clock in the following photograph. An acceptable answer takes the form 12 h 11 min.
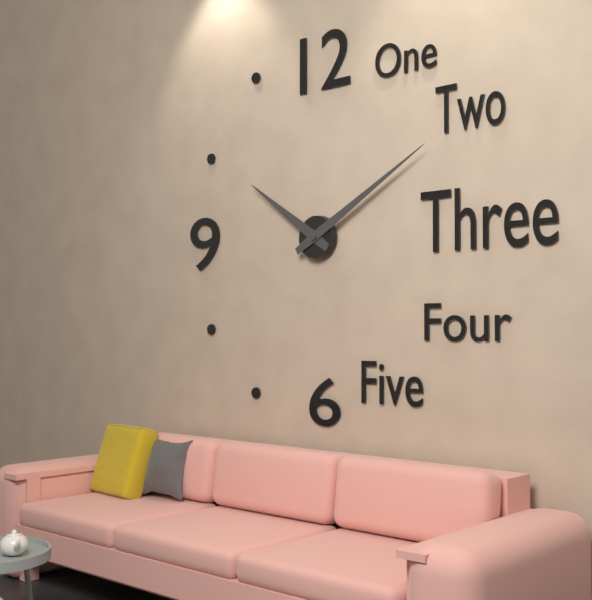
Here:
10 h 10 min
